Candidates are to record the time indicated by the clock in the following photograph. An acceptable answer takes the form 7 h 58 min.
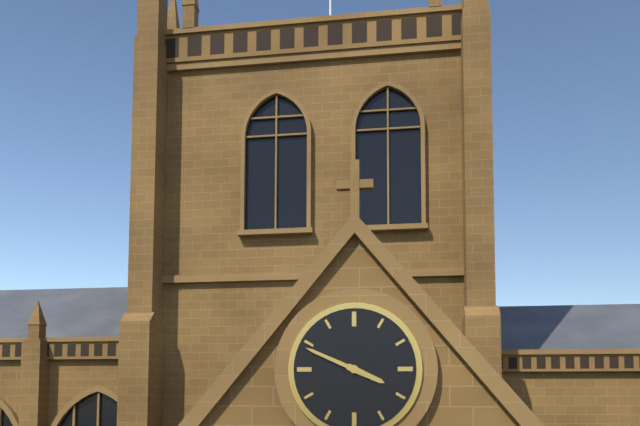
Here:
3 h 49 min
